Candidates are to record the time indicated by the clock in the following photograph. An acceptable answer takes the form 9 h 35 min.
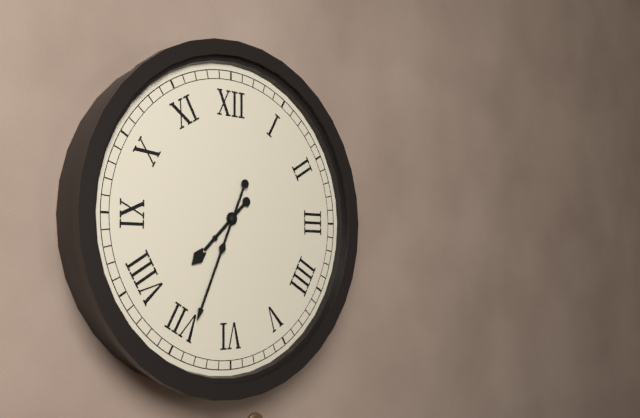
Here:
7 h 34 min
